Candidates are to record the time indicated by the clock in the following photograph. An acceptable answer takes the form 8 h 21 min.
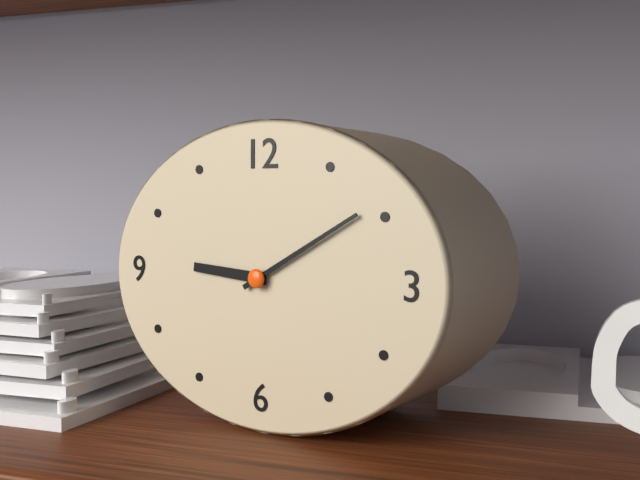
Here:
9 h 10 min
